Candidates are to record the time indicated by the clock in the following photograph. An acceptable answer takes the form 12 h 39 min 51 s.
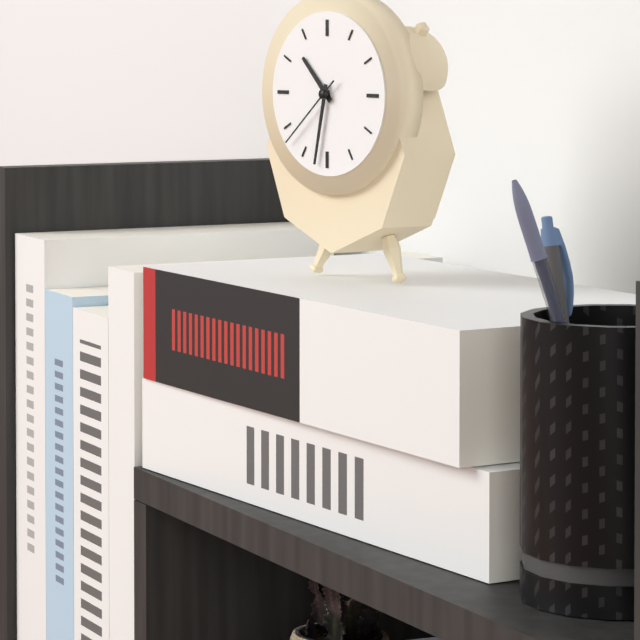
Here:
10 h 32 min 38 s
